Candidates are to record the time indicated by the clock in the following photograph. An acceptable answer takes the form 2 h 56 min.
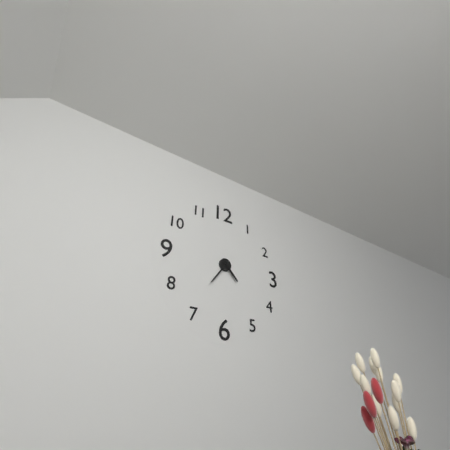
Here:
4 h 36 min
